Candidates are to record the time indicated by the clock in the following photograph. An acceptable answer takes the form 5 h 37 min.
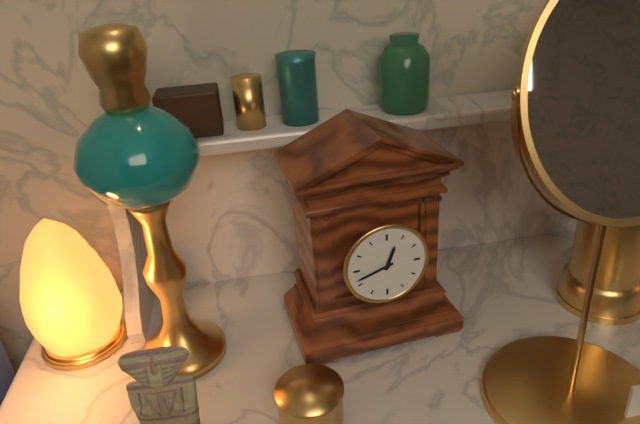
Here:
12 h 42 min
